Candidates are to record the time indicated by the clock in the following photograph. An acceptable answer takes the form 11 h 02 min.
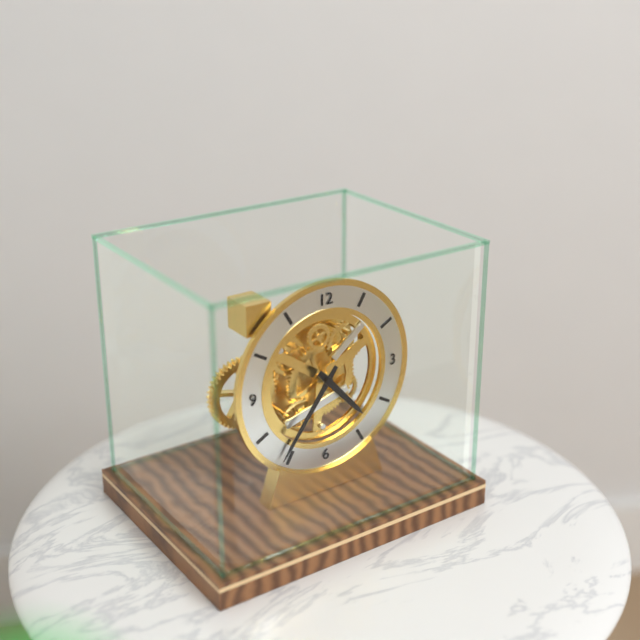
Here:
4 h 36 min
